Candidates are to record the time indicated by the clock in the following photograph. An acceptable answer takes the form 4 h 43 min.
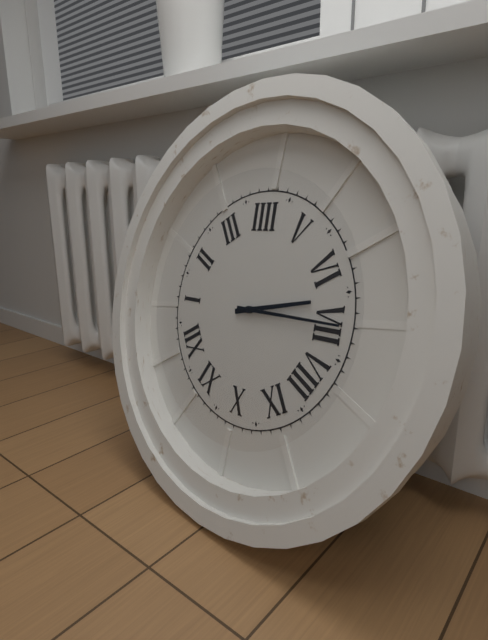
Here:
6 h 35 min
